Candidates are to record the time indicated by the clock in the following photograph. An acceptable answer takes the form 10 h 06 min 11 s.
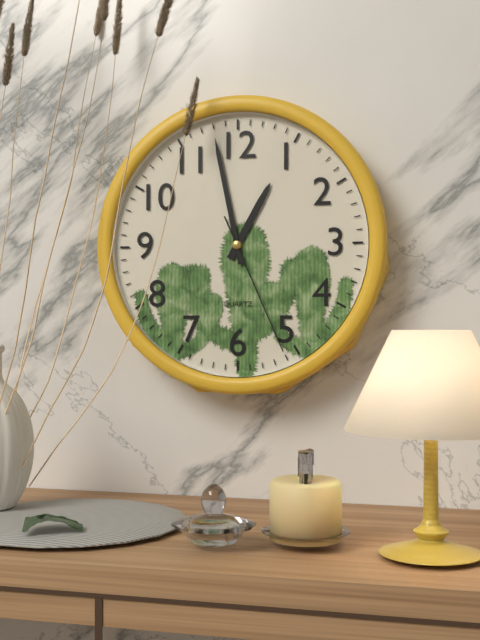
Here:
12 h 58 min 26 s
